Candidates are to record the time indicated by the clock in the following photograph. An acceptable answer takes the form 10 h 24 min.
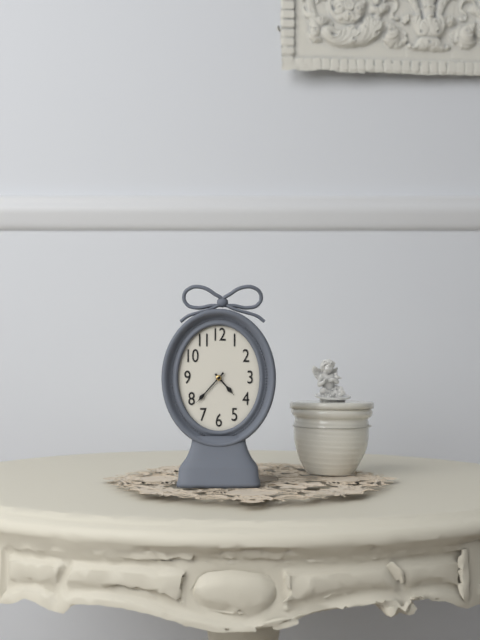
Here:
4 h 37 min
